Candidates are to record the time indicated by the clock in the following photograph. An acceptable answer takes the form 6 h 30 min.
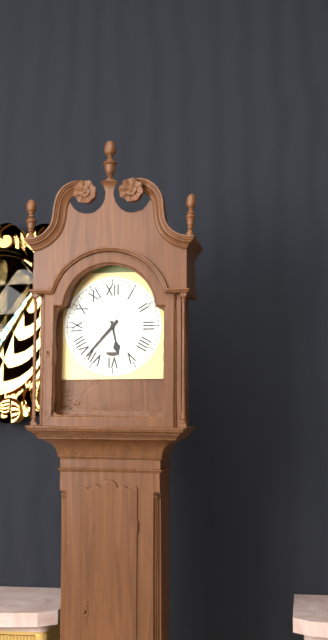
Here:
5 h 37 min
